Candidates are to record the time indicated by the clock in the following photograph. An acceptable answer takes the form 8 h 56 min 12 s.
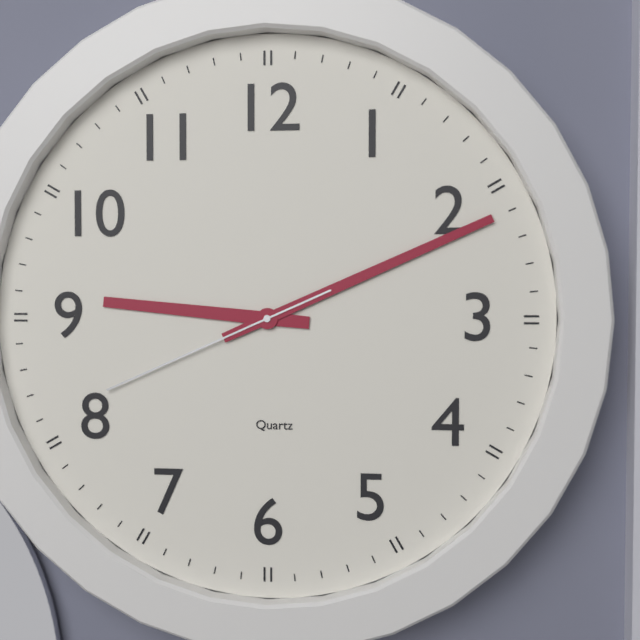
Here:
9 h 11 min 41 s
